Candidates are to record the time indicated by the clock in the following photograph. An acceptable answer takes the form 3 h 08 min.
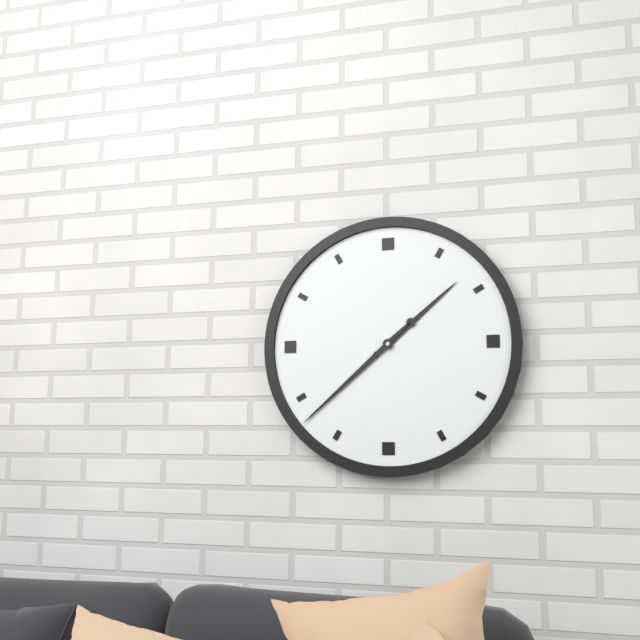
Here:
1 h 38 min
